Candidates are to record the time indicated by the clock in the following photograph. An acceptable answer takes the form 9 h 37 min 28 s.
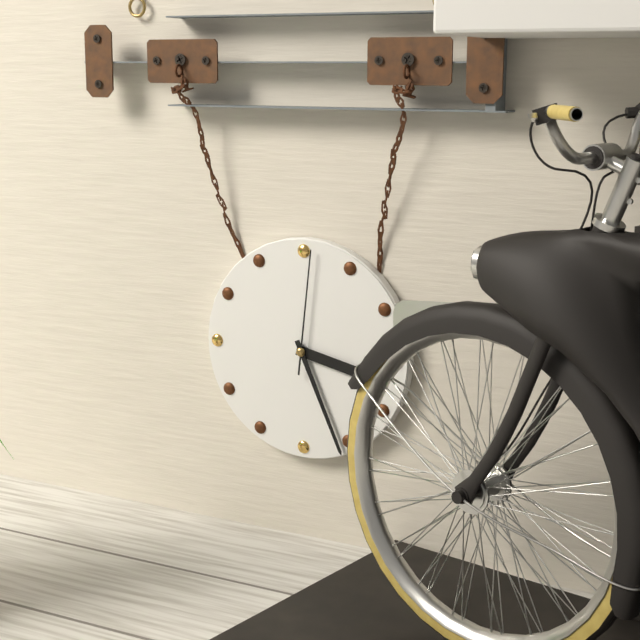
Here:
3 h 26 min 01 s
